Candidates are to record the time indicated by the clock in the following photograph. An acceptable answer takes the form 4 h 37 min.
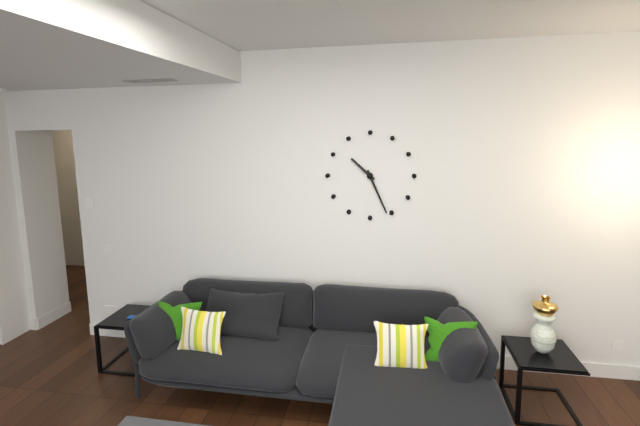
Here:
10 h 26 min
